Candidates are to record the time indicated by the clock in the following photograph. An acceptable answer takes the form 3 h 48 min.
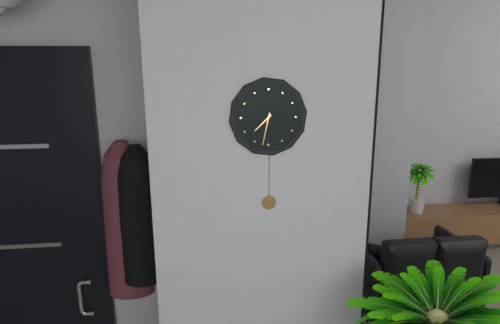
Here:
7 h 32 min
